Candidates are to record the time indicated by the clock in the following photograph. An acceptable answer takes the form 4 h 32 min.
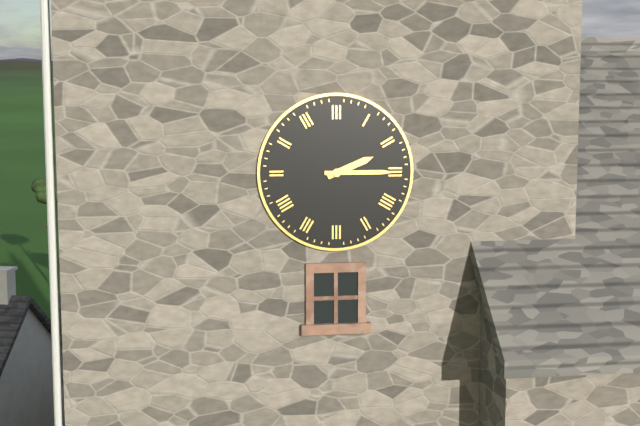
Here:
2 h 15 min
